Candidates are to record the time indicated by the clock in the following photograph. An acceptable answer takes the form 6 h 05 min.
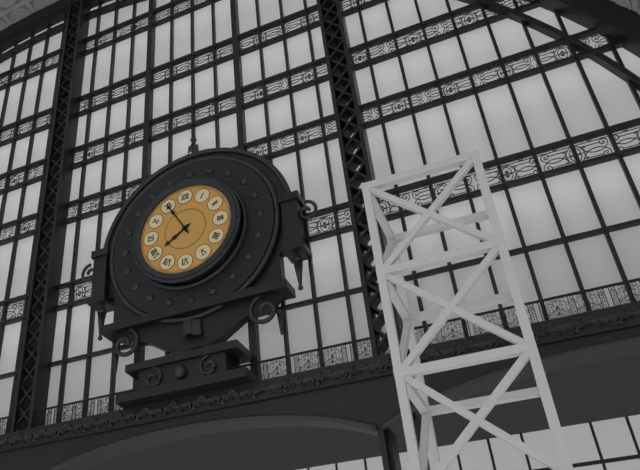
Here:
7 h 55 min
